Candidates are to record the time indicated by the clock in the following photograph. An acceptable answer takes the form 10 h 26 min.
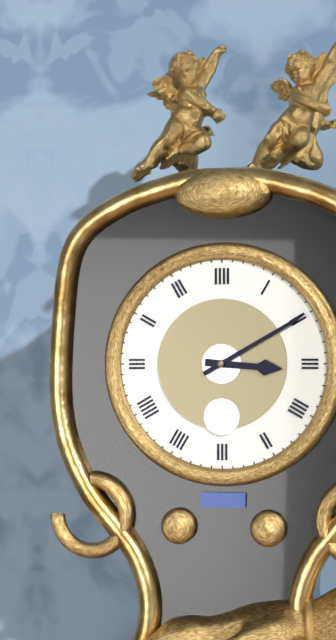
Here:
3 h 10 min
